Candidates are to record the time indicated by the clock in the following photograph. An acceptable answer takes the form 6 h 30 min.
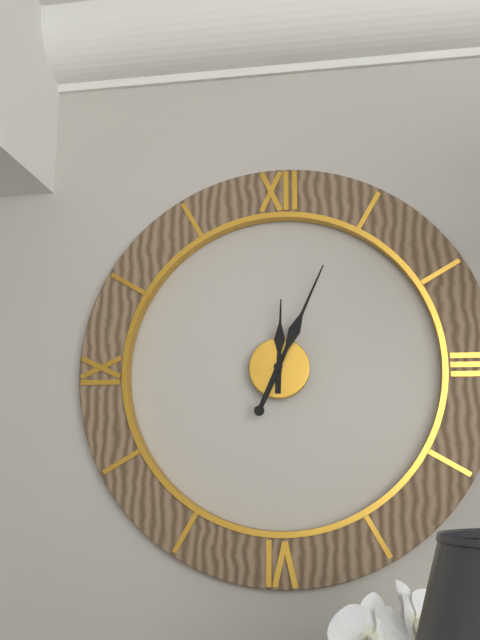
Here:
12 h 04 min
